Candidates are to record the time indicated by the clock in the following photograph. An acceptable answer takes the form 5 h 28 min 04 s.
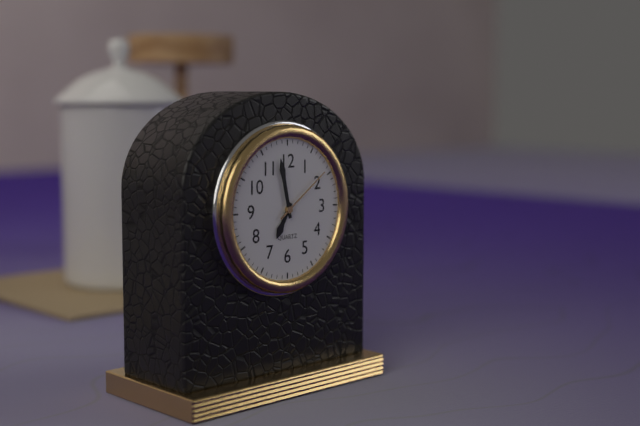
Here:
6 h 58 min 09 s
